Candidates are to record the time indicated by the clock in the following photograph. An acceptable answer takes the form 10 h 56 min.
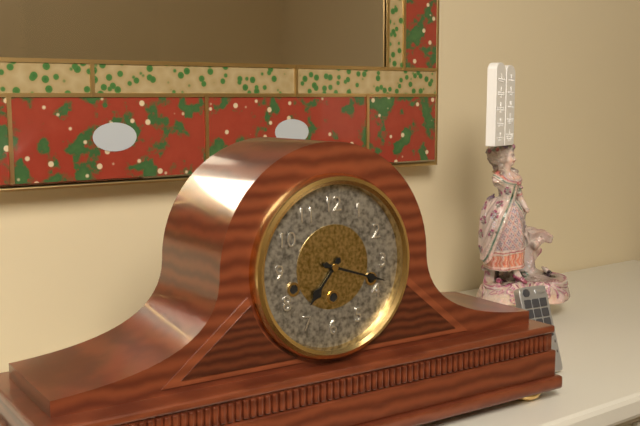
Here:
7 h 18 min
